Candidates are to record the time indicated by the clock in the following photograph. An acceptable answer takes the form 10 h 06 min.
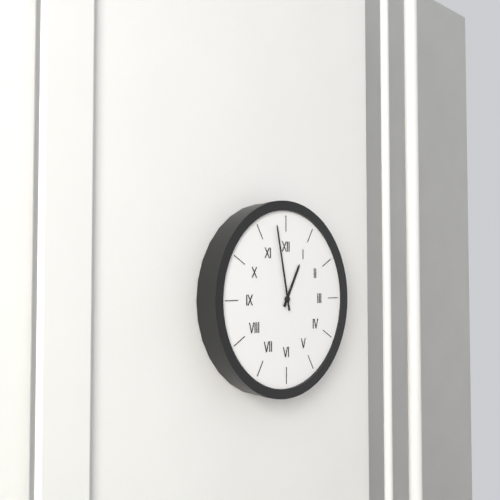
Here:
12 h 58 min
